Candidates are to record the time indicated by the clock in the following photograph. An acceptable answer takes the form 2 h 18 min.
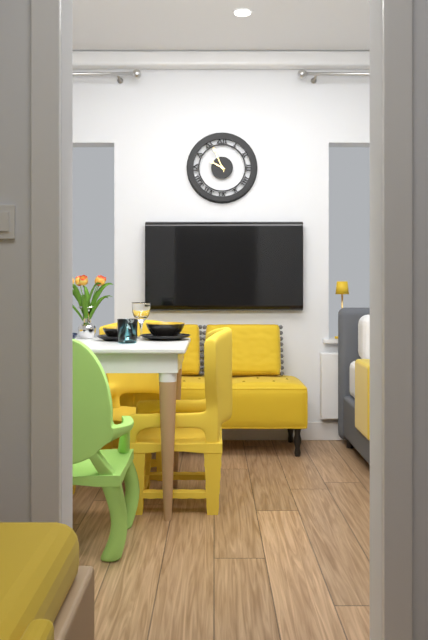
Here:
9 h 56 min
